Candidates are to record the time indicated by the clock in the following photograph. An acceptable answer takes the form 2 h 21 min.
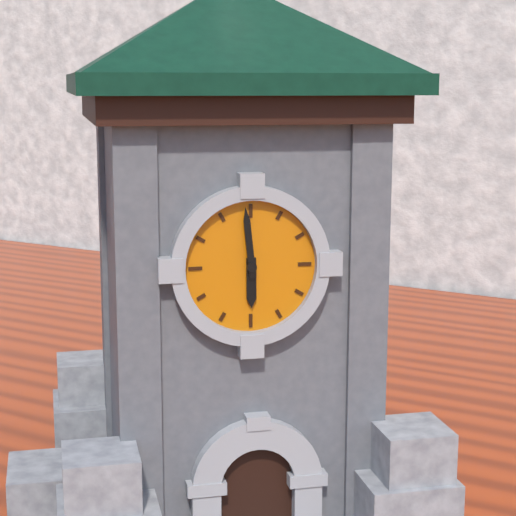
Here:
5 h 59 min
